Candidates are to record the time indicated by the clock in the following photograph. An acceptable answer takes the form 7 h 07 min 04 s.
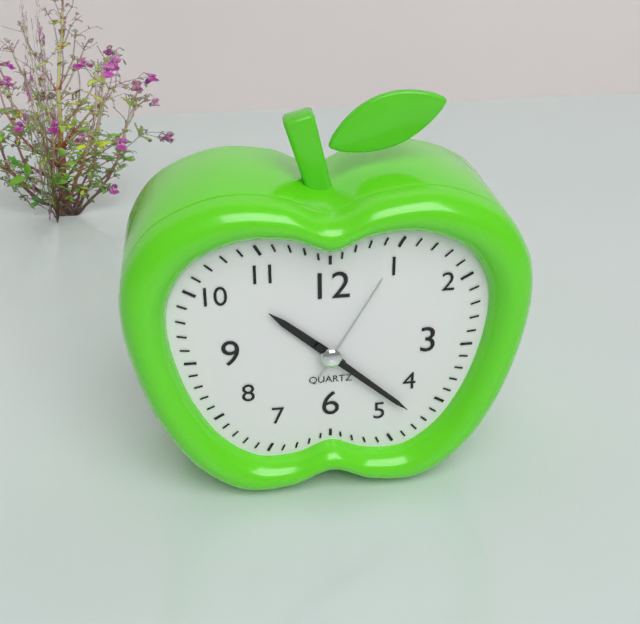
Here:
10 h 22 min 05 s
